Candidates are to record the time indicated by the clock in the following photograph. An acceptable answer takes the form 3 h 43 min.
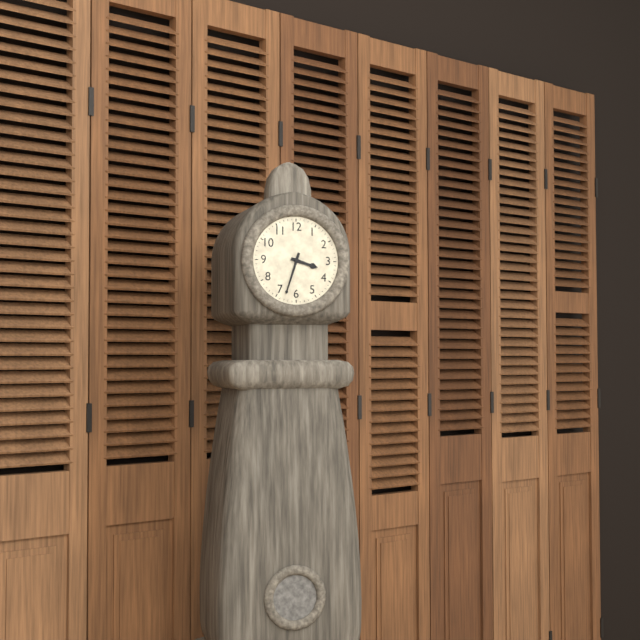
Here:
3 h 33 min
